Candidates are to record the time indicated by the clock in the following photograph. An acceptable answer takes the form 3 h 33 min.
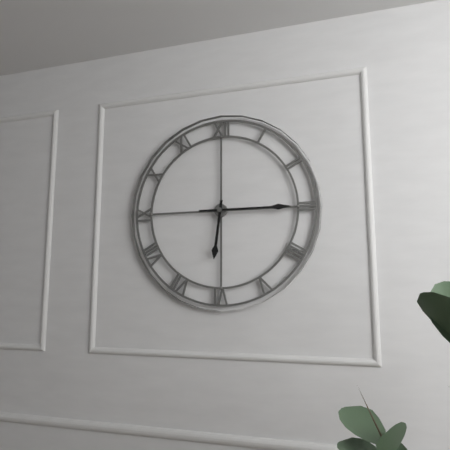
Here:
6 h 15 min
